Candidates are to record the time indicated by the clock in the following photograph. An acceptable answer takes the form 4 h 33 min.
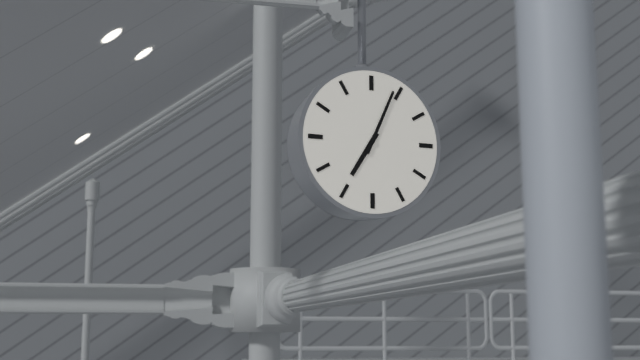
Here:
7 h 04 min
